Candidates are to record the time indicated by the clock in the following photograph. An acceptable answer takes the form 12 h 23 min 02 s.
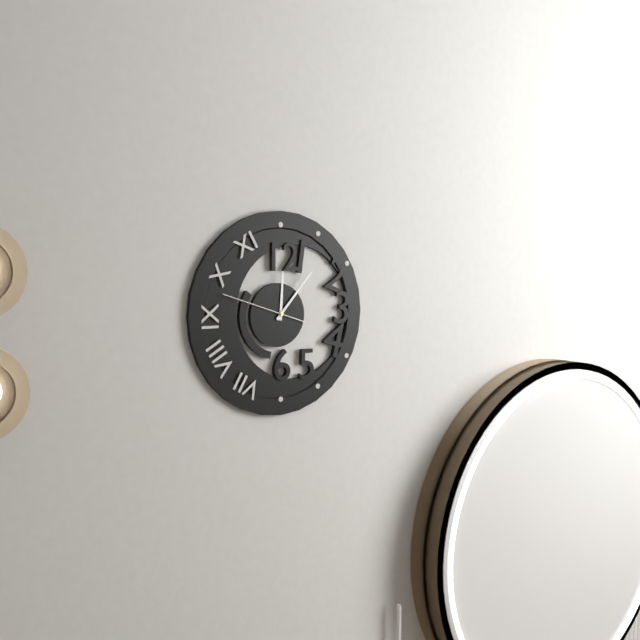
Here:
12 h 07 min 48 s
